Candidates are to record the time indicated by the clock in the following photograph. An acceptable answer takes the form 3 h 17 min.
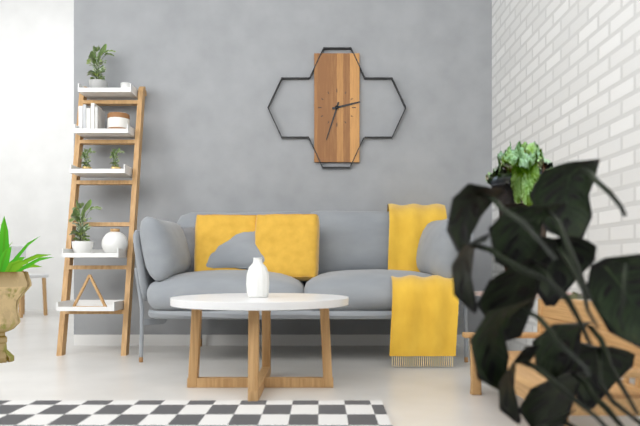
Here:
2 h 33 min
